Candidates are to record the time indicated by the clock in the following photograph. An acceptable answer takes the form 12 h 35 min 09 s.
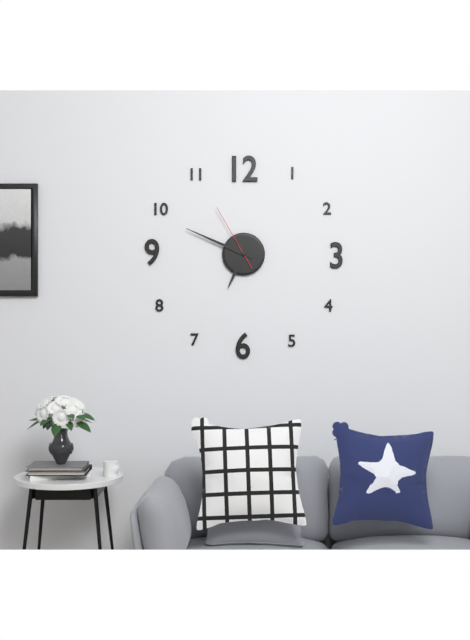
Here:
6 h 49 min 55 s
